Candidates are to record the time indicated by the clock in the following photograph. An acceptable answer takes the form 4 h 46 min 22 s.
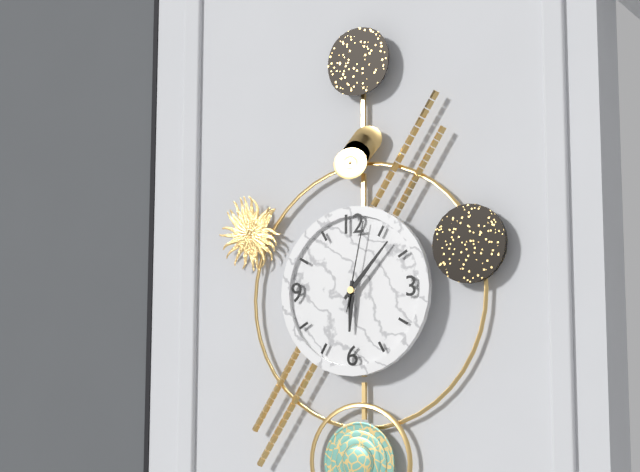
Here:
6 h 07 min 02 s
